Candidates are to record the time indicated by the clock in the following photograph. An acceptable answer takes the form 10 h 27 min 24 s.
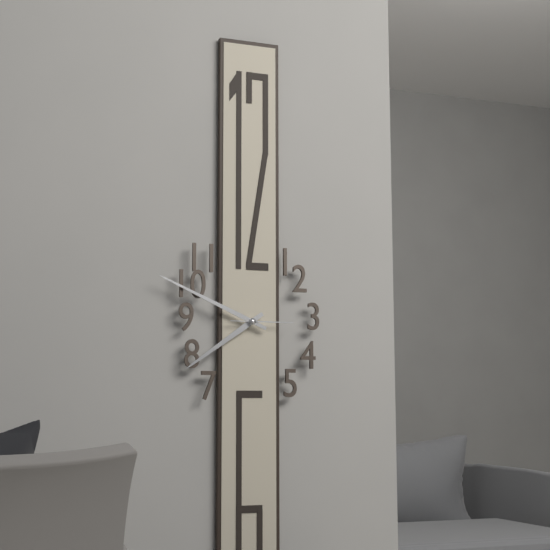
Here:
7 h 49 min 15 s
